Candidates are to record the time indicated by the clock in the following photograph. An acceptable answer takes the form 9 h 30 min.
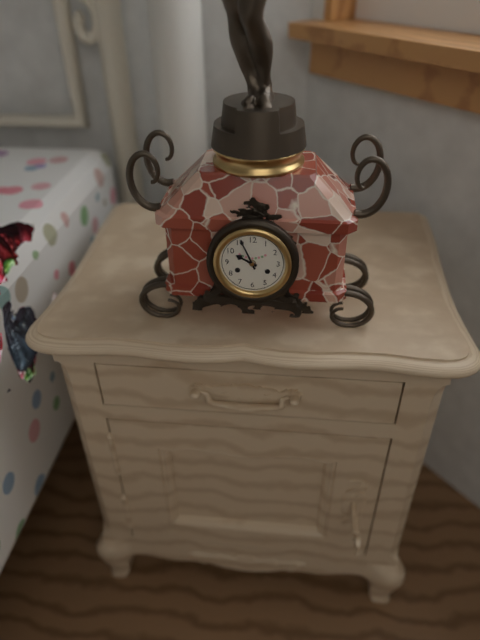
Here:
9 h 56 min
